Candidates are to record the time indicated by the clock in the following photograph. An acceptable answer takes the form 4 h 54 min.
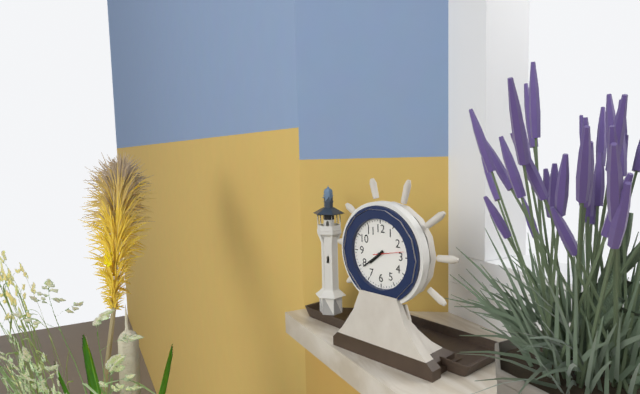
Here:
7 h 39 min
